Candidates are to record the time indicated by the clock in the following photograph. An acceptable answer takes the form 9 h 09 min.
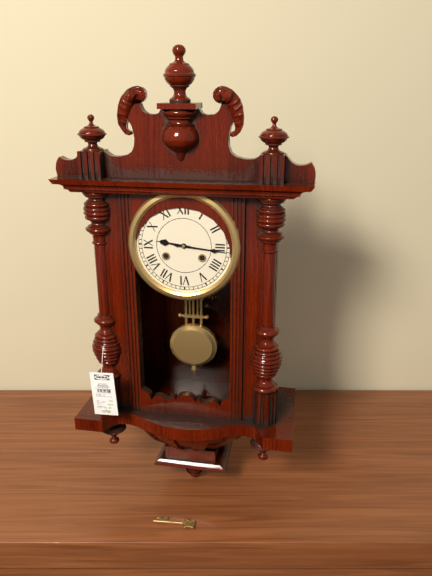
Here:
9 h 16 min
